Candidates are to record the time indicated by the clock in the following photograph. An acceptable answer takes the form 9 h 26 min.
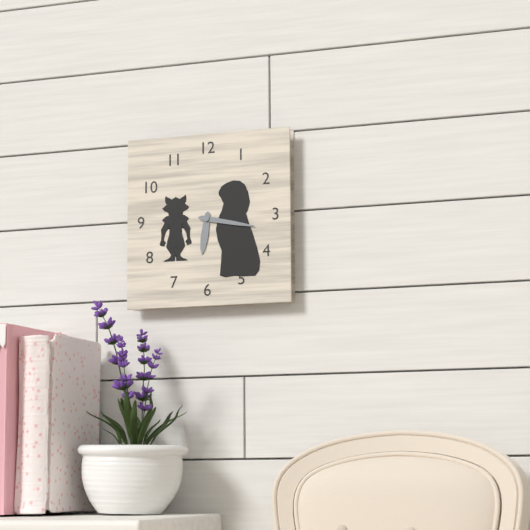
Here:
6 h 17 min
